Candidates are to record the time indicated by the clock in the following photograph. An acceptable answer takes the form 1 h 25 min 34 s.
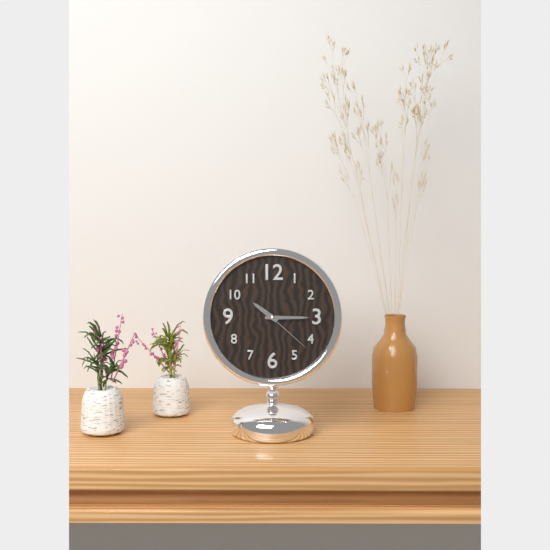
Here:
10 h 15 min 22 s
